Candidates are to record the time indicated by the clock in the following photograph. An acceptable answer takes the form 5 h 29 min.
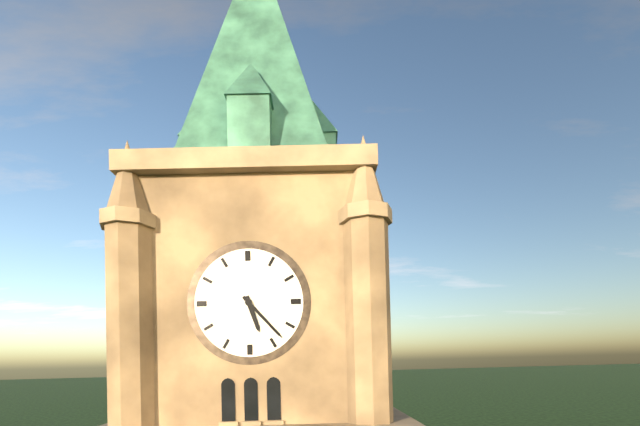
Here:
5 h 23 min
